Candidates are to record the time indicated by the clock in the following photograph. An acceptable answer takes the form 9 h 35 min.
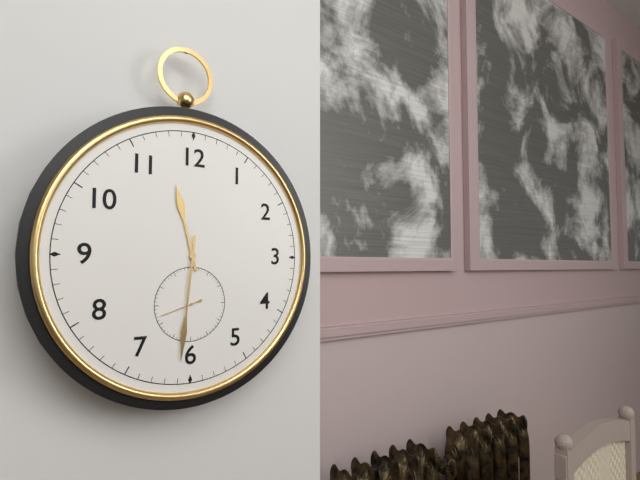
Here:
11 h 31 min
